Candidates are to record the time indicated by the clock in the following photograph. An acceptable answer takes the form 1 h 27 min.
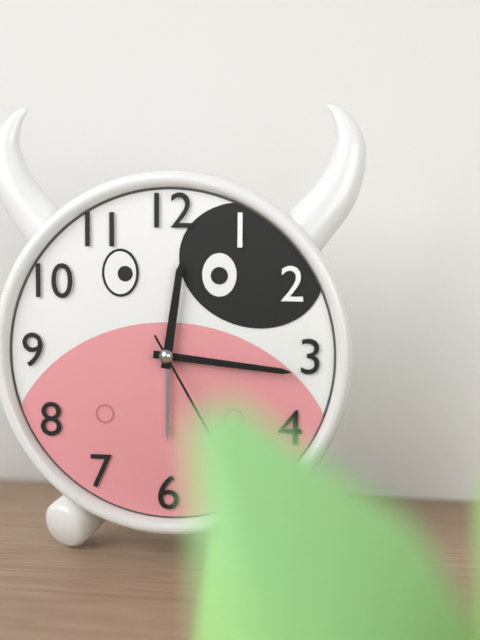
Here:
12 h 16 min
